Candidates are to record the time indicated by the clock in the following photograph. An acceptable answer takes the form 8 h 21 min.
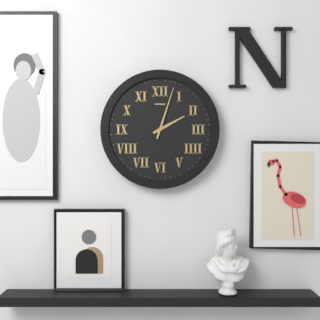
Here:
2 h 03 min
